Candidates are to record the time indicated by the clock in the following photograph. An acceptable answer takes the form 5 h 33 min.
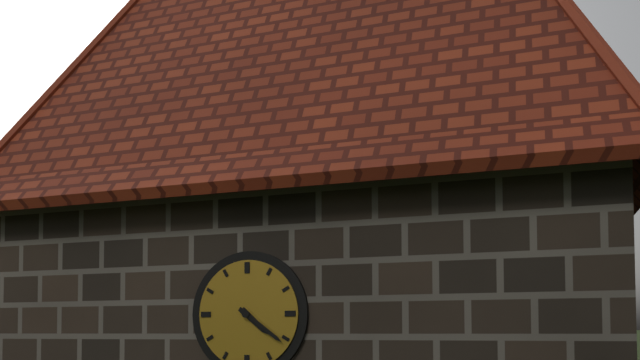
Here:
4 h 21 min
